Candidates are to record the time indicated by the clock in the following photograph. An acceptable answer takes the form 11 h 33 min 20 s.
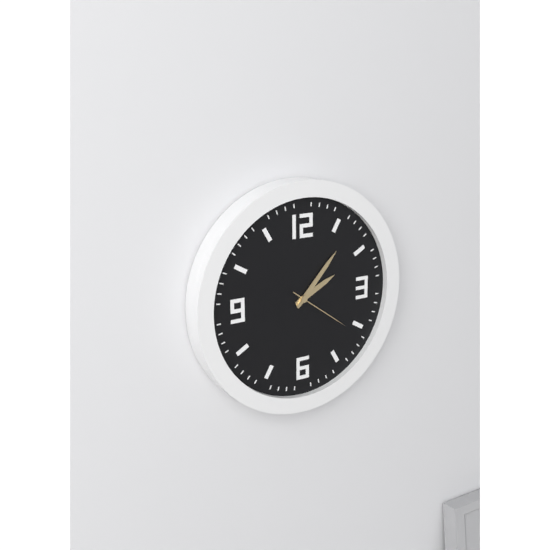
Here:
2 h 07 min 21 s
